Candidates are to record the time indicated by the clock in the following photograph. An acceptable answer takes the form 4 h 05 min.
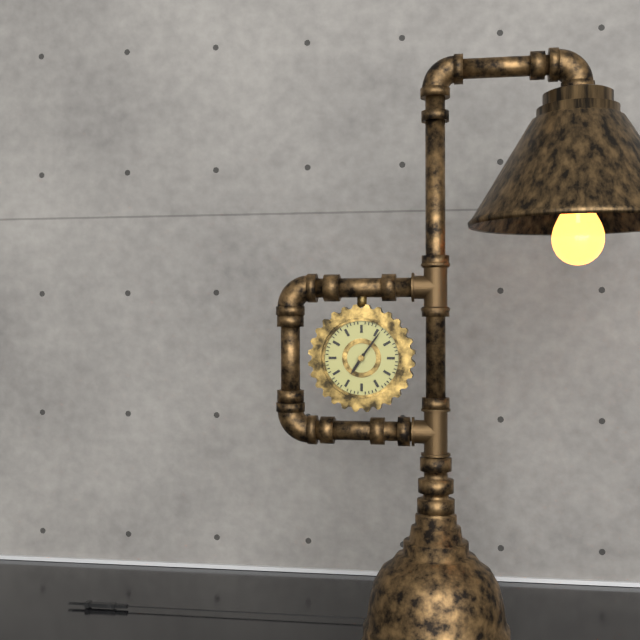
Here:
7 h 06 min
